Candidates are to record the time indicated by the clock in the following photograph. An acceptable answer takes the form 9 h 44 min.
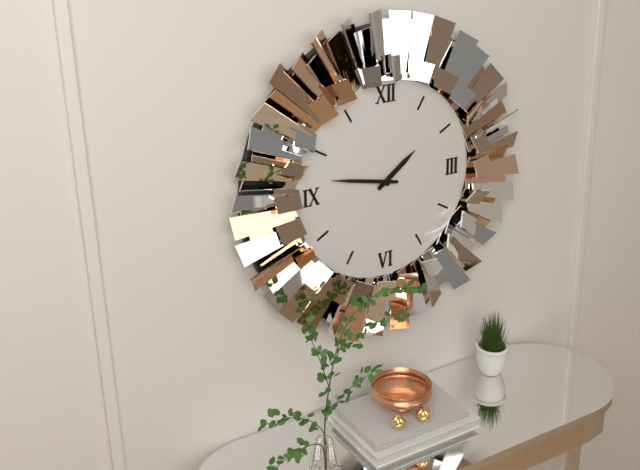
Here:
1 h 47 min
